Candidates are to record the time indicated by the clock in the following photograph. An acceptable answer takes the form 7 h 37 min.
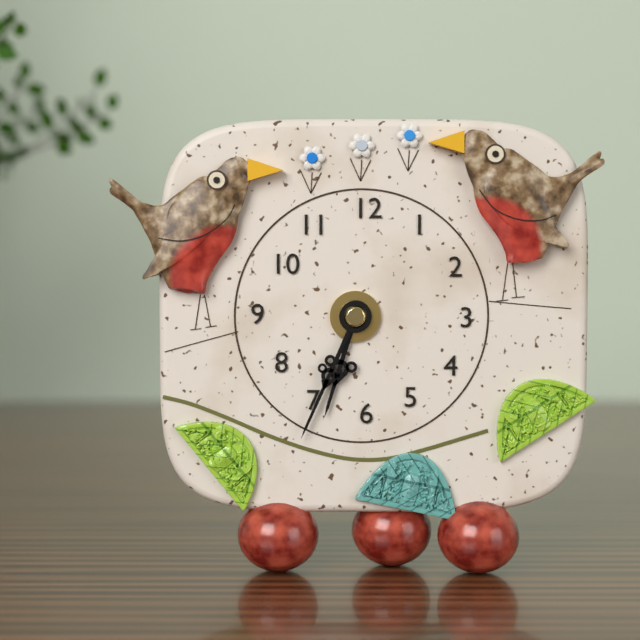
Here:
6 h 34 min
